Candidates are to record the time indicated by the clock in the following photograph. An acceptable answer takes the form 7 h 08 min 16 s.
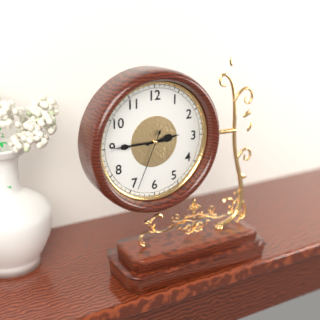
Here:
2 h 45 min 34 s
